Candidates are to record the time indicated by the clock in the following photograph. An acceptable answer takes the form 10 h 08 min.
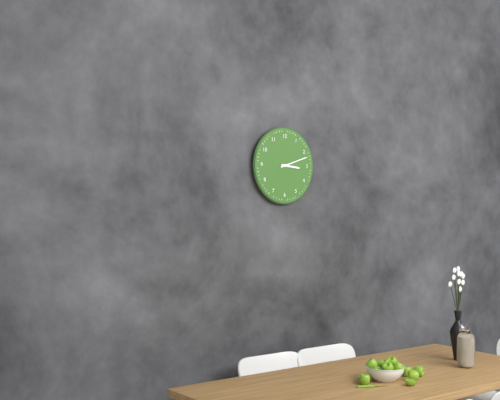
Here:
3 h 12 min
